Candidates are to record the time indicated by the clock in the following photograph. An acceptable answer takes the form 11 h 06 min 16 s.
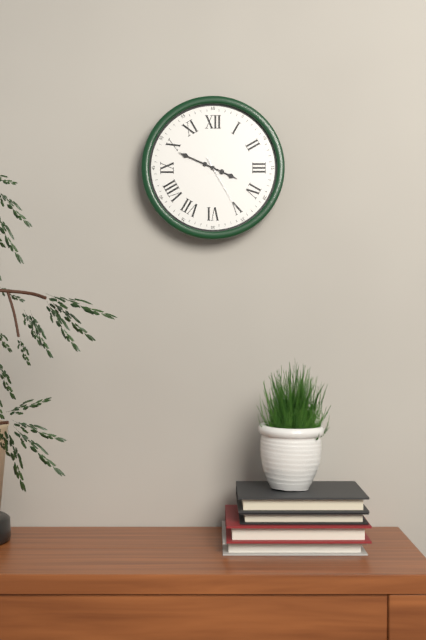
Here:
3 h 49 min 25 s
